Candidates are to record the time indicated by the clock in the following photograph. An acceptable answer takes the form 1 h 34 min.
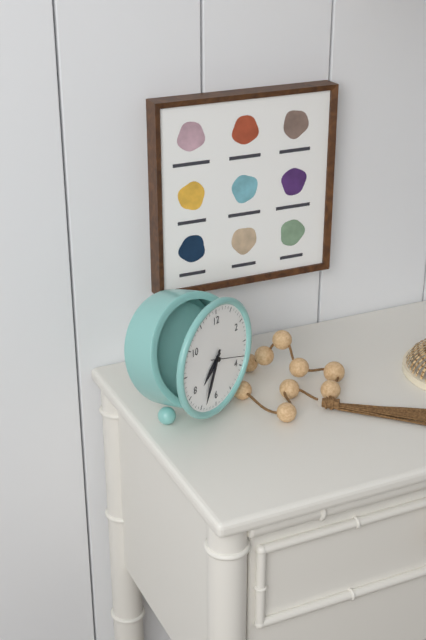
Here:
7 h 34 min
